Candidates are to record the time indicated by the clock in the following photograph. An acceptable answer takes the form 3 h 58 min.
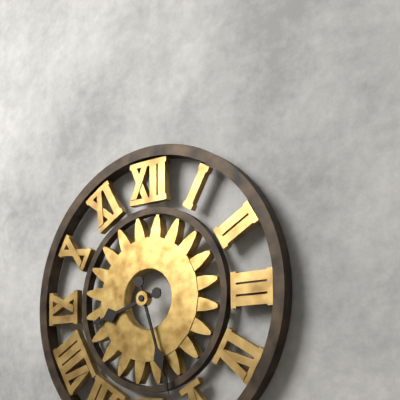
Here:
8 h 27 min
